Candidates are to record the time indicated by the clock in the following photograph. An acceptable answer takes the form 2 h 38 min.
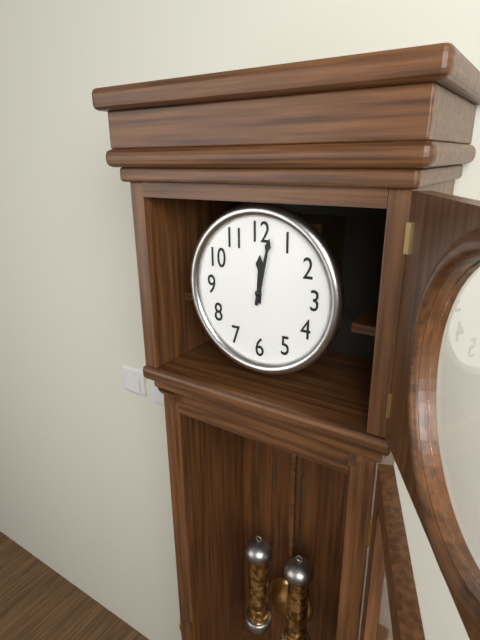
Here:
12 h 02 min
